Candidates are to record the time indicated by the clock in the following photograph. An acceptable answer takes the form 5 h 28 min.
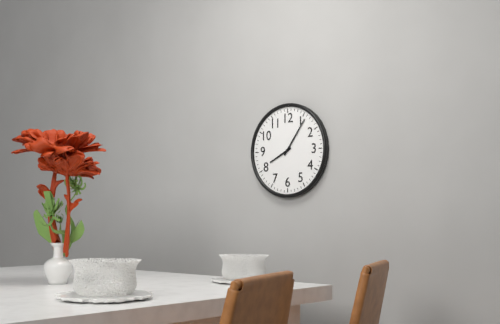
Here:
8 h 06 min
